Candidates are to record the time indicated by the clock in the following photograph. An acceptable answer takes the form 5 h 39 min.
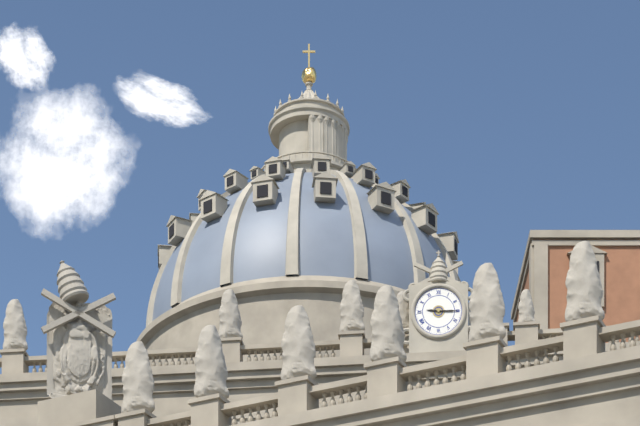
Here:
9 h 15 min
